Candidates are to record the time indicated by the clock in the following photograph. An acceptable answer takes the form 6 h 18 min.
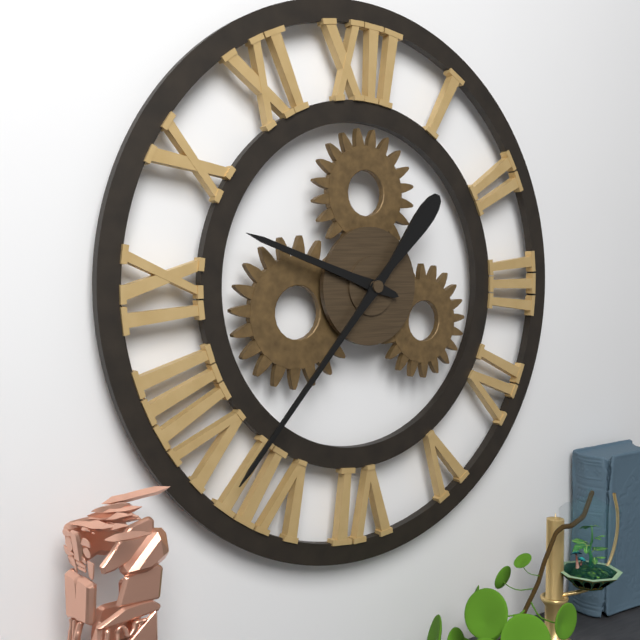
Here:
9 h 37 min
